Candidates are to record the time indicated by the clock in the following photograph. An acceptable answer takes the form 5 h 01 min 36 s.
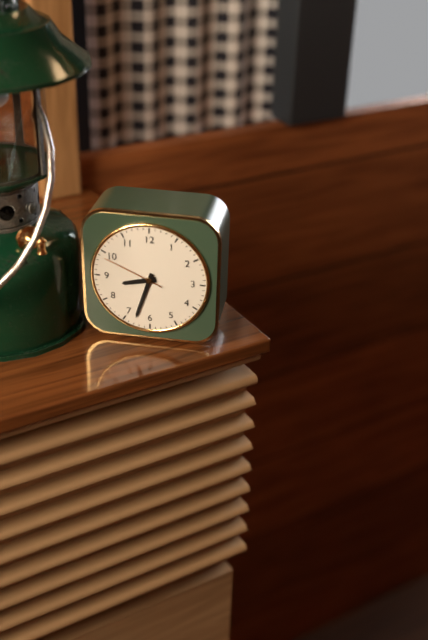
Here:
8 h 33 min 49 s
